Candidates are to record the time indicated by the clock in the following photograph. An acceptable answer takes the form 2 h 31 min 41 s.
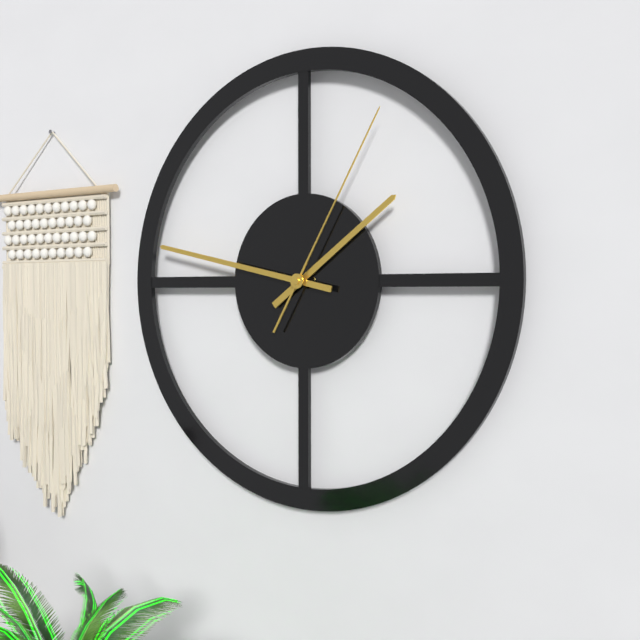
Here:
1 h 47 min 05 s
